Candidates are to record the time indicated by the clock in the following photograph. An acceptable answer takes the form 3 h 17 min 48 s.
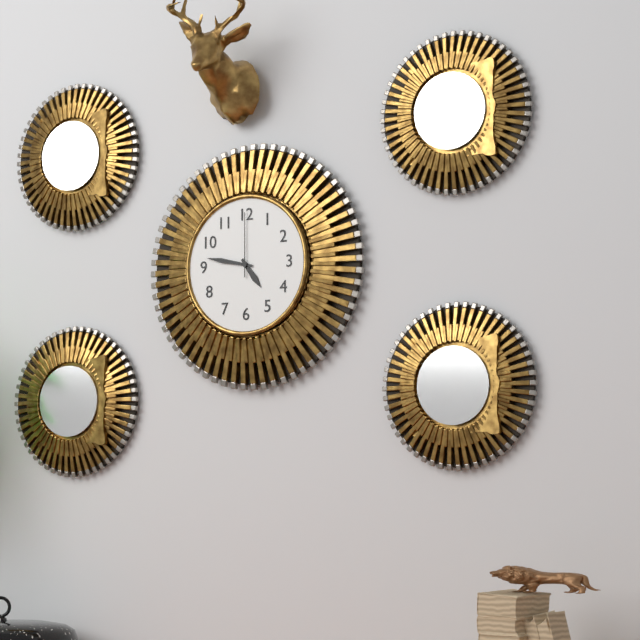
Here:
4 h 47 min 00 s
